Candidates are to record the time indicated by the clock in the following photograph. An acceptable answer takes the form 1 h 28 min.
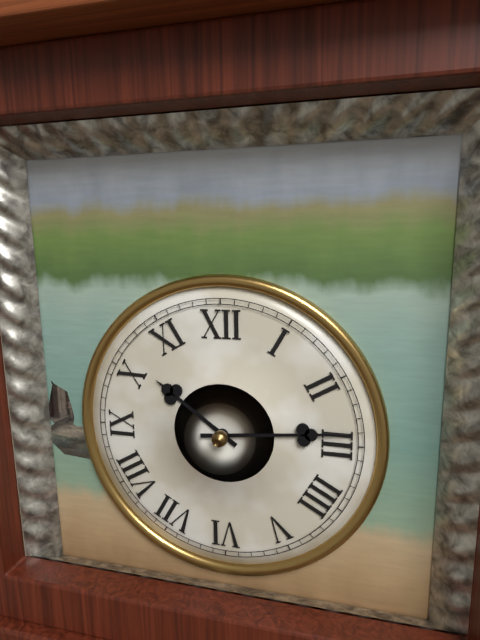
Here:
10 h 14 min
